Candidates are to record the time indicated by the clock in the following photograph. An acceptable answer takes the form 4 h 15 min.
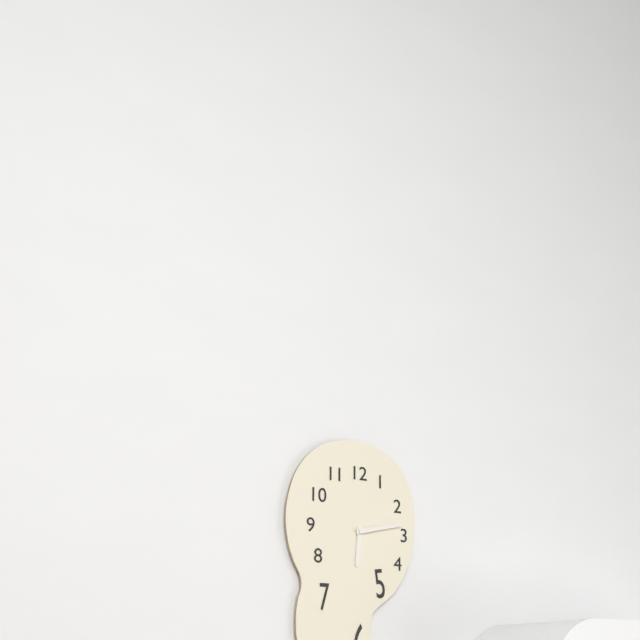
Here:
6 h 13 min
